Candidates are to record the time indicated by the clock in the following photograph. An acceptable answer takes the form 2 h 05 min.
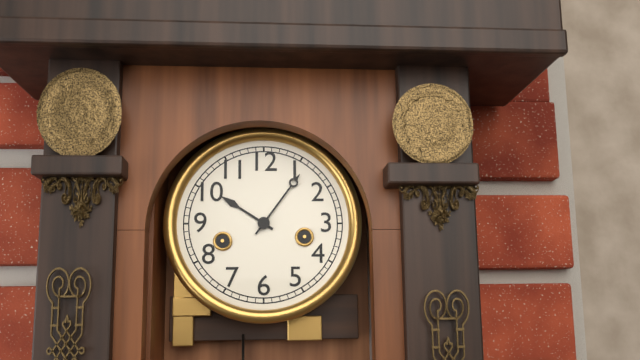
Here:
10 h 06 min
